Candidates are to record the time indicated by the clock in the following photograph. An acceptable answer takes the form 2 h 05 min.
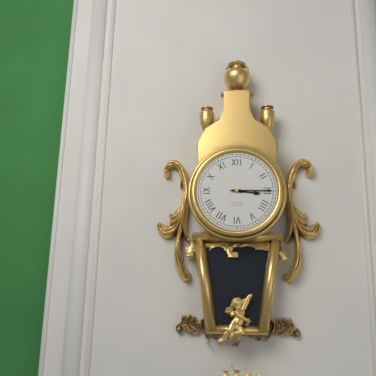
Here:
3 h 15 min
